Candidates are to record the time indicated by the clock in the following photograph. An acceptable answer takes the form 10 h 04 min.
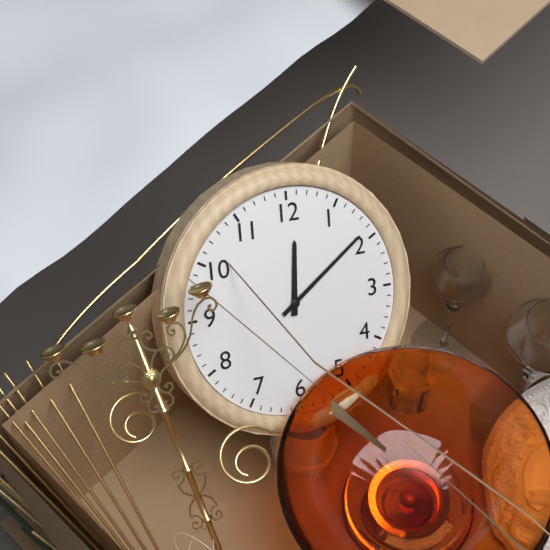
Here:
12 h 09 min
